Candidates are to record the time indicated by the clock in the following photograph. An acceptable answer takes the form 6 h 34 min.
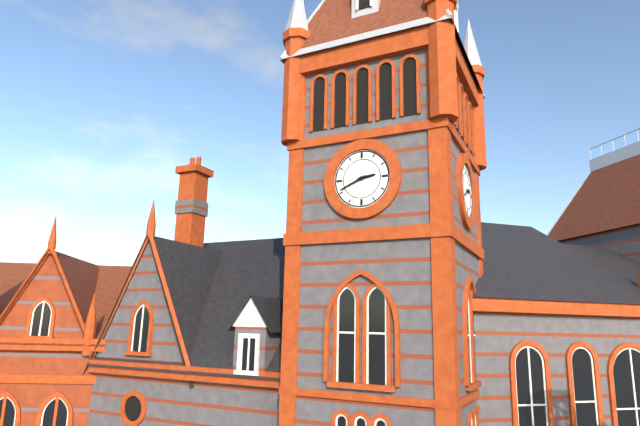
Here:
2 h 41 min
